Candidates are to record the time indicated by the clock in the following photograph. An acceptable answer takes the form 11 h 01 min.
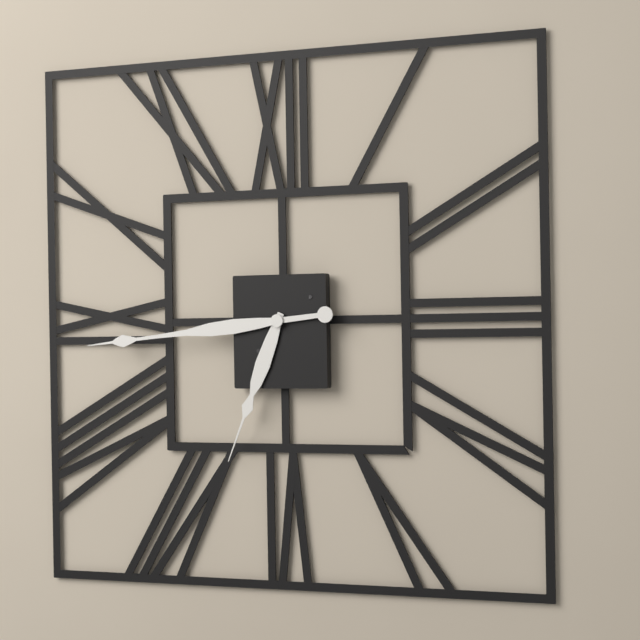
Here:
6 h 44 min
